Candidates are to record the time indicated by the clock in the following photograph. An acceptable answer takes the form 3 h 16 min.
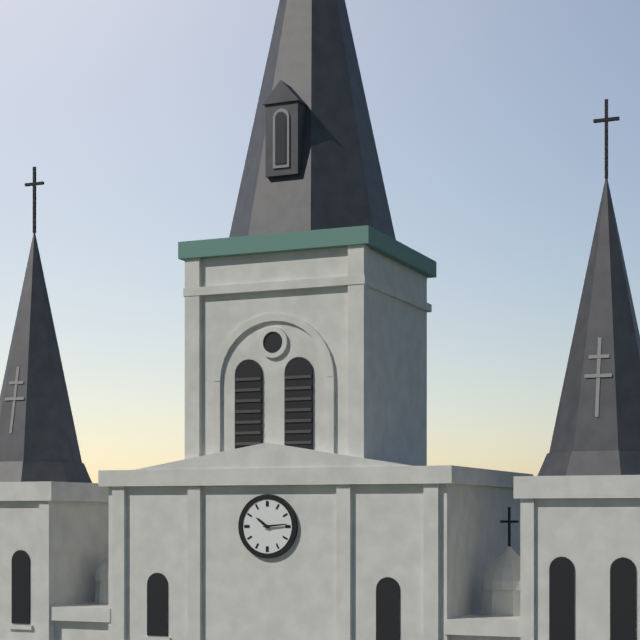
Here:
10 h 14 min
